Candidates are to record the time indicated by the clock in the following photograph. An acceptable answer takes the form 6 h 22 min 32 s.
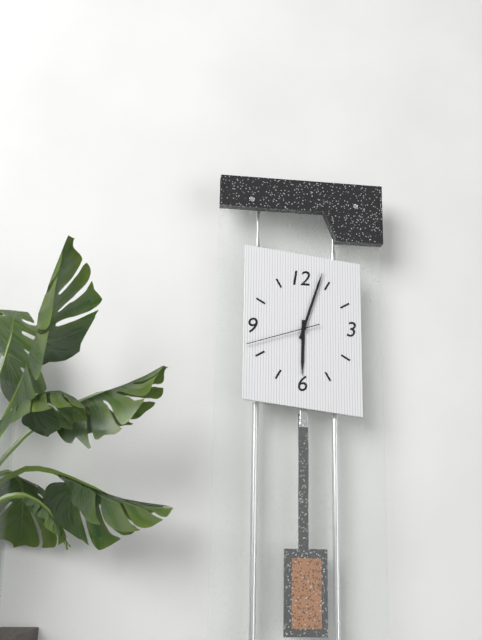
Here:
6 h 03 min 42 s
